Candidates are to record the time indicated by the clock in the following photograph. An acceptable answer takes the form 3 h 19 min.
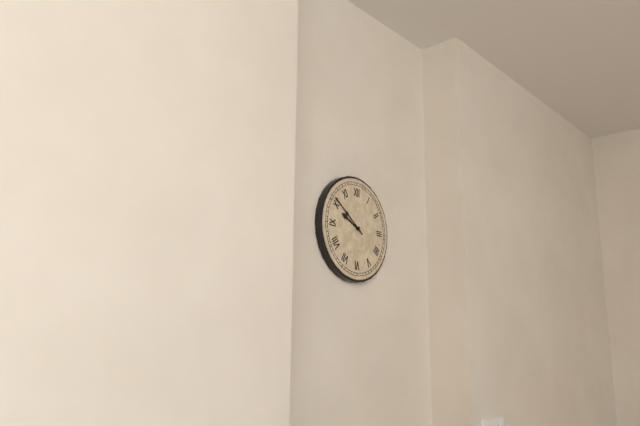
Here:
9 h 51 min
